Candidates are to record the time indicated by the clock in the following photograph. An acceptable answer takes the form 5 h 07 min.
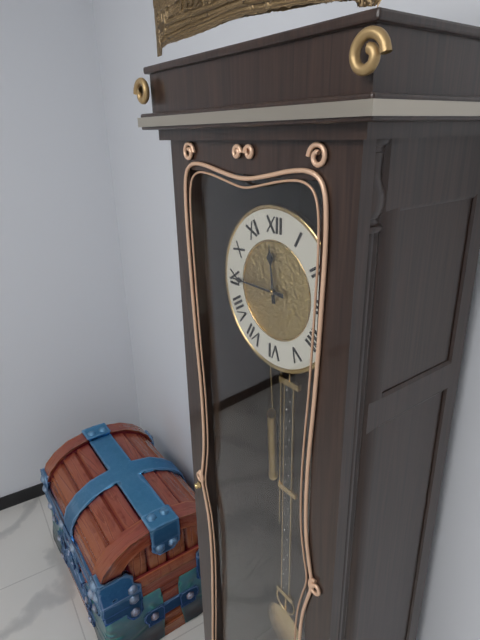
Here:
11 h 45 min
